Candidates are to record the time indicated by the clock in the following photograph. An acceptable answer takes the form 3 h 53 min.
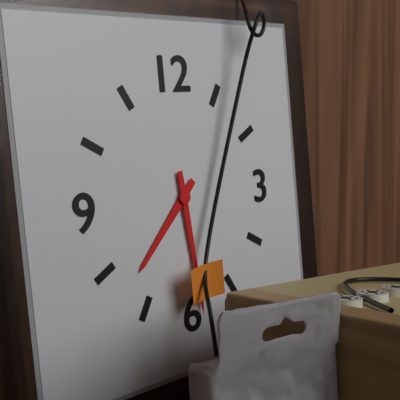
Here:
7 h 29 min
